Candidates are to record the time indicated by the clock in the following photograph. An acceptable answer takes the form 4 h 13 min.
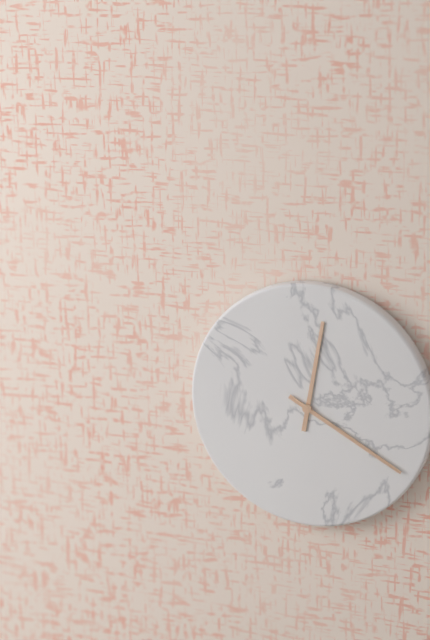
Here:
12 h 20 min
